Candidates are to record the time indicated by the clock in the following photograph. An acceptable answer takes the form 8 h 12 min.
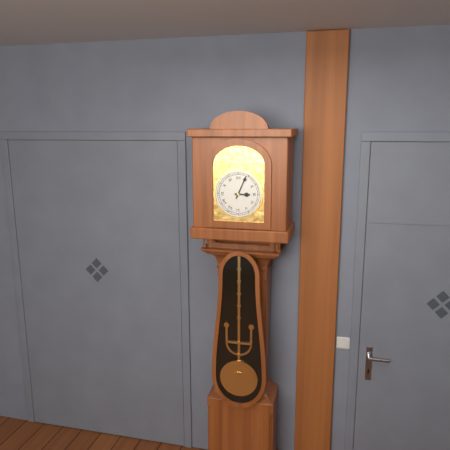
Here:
3 h 04 min
